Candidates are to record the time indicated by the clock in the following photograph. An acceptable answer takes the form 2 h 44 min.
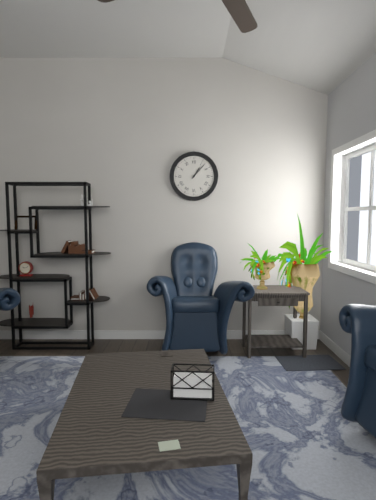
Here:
1 h 07 min
